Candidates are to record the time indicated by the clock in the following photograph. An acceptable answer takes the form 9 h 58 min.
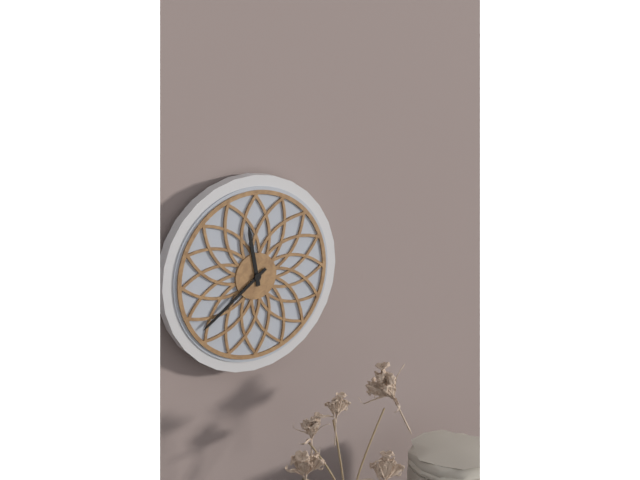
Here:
11 h 39 min
